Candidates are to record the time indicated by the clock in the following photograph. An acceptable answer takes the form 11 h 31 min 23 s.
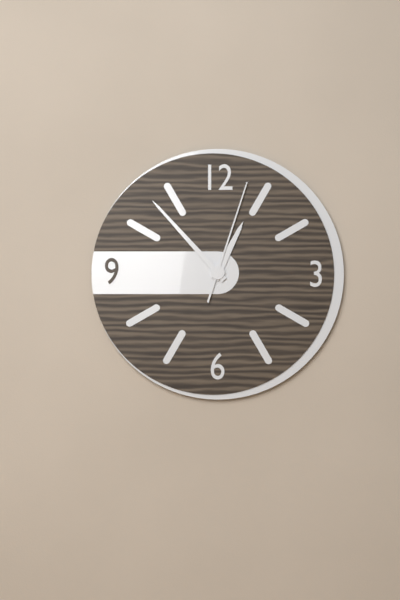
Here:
12 h 53 min 03 s
